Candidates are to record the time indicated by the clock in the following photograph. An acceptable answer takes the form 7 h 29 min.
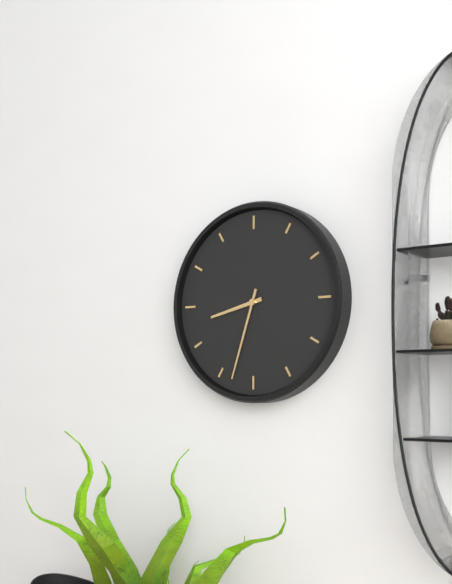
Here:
8 h 33 min
